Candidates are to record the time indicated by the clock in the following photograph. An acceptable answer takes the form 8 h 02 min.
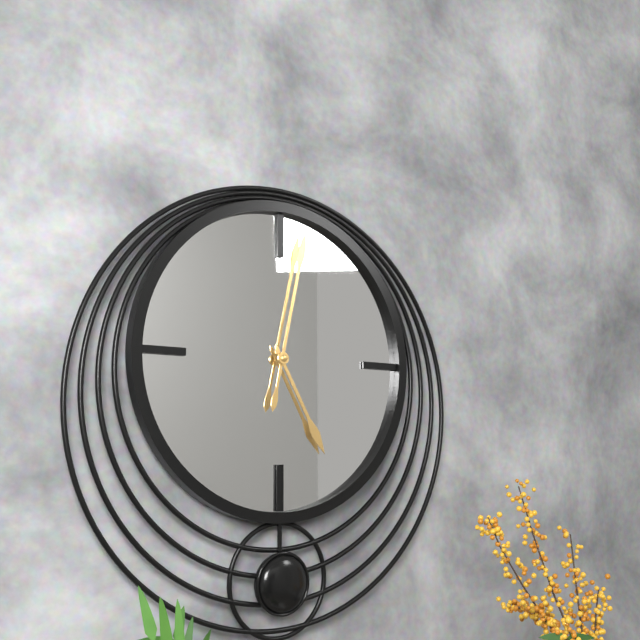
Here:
5 h 02 min
